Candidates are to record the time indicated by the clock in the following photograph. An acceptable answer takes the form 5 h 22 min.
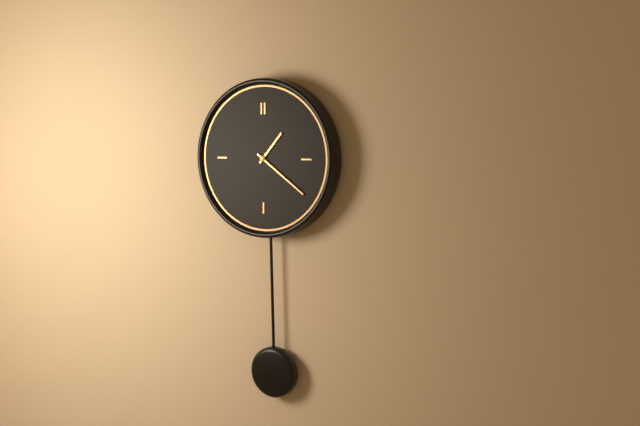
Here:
1 h 21 min
